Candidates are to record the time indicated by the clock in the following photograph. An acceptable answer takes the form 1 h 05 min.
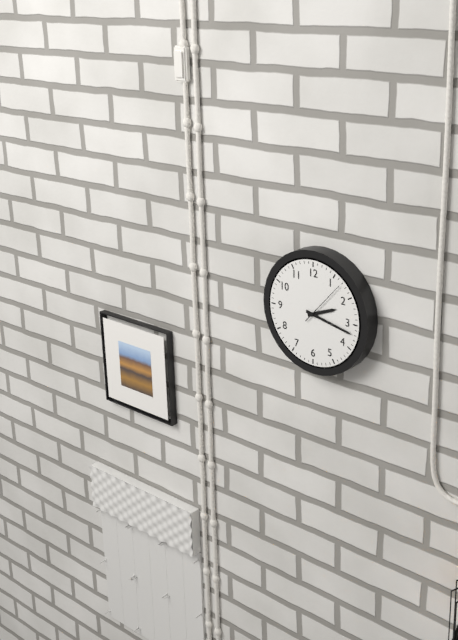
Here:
2 h 17 min
